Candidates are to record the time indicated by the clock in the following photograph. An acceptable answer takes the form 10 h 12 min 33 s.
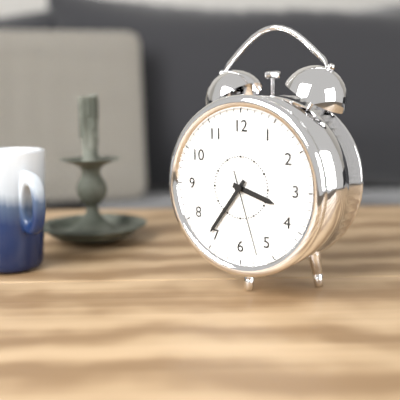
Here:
3 h 36 min 27 s
